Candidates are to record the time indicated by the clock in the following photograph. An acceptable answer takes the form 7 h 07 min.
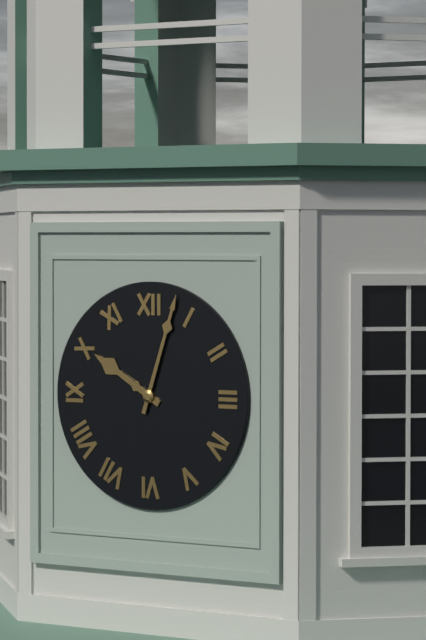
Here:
10 h 03 min
